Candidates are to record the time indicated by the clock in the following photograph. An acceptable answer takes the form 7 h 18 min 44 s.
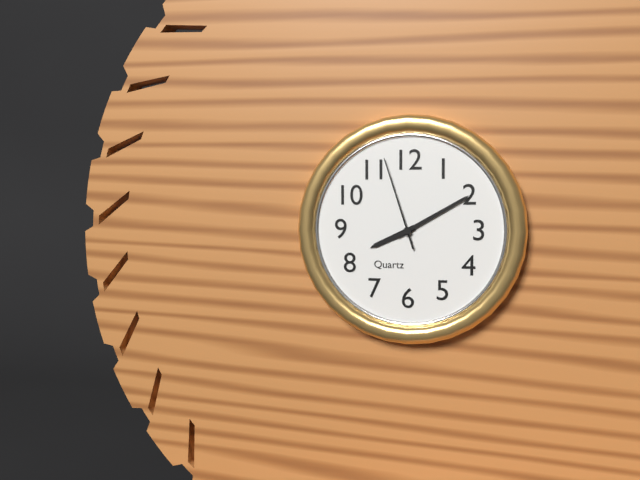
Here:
8 h 10 min 57 s
